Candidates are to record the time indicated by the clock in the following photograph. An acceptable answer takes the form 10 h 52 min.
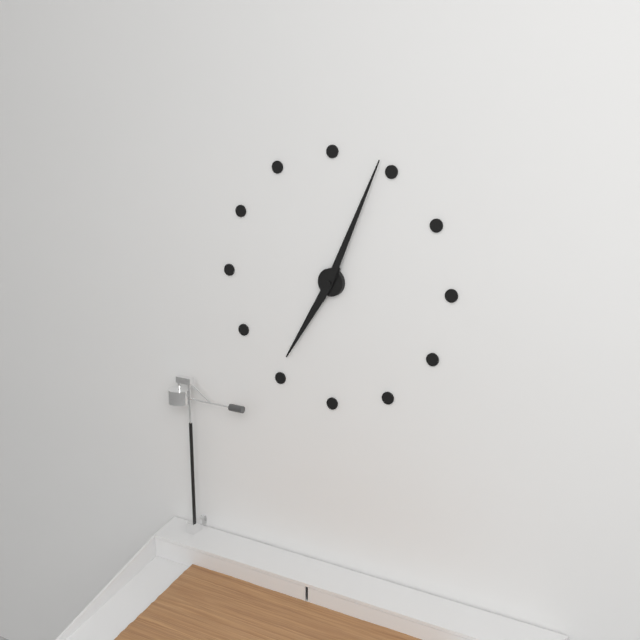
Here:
7 h 04 min
